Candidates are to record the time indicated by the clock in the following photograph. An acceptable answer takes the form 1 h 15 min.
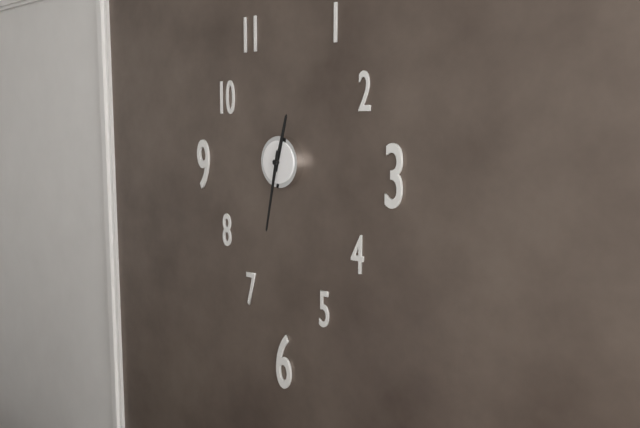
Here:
12 h 32 min
